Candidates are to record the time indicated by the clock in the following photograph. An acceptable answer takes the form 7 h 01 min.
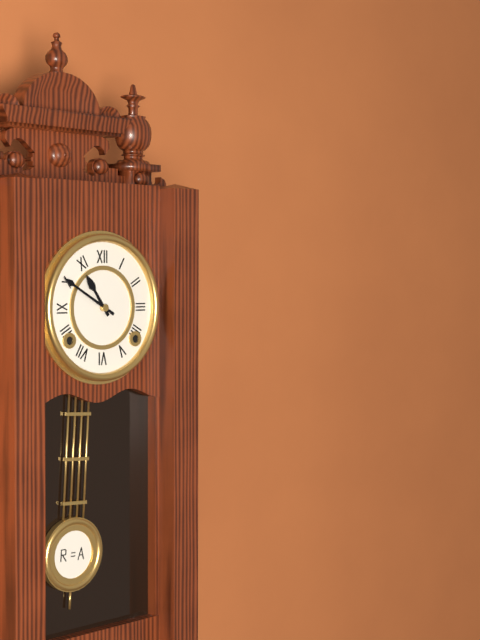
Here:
10 h 50 min
